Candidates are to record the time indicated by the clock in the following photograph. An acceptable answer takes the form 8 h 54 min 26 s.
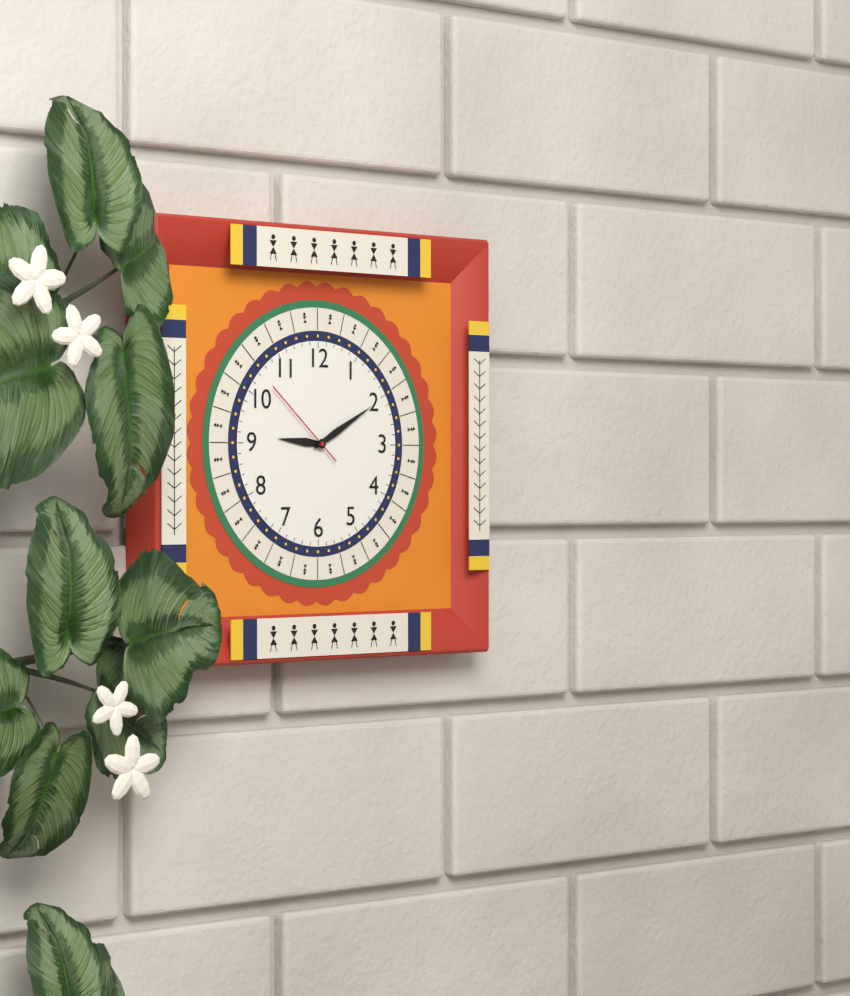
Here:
9 h 10 min 52 s
